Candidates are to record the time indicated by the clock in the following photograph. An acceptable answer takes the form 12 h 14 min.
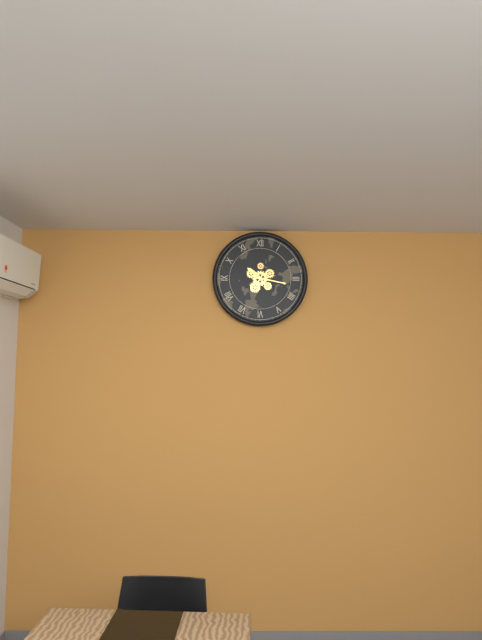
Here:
10 h 17 min
